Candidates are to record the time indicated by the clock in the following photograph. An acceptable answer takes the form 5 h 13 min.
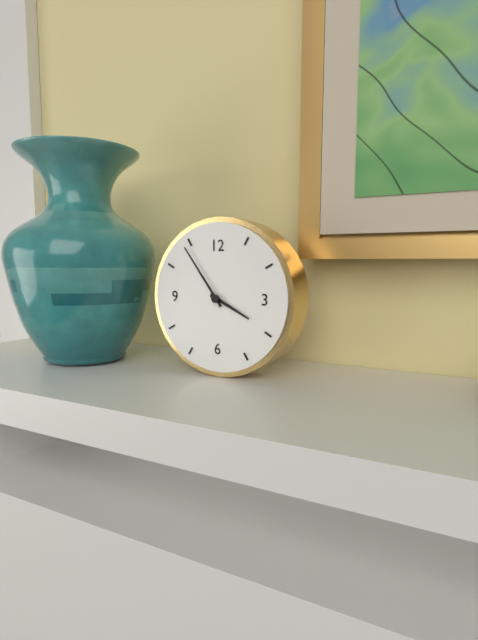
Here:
3 h 54 min
